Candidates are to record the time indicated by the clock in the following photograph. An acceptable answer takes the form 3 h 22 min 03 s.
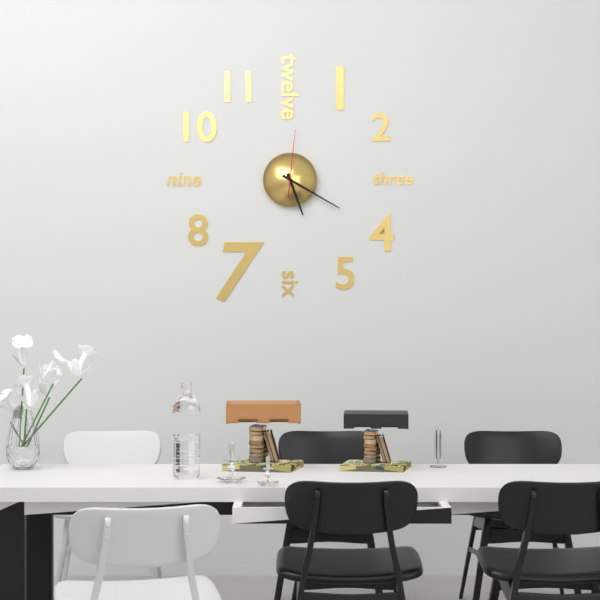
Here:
5 h 20 min 01 s
